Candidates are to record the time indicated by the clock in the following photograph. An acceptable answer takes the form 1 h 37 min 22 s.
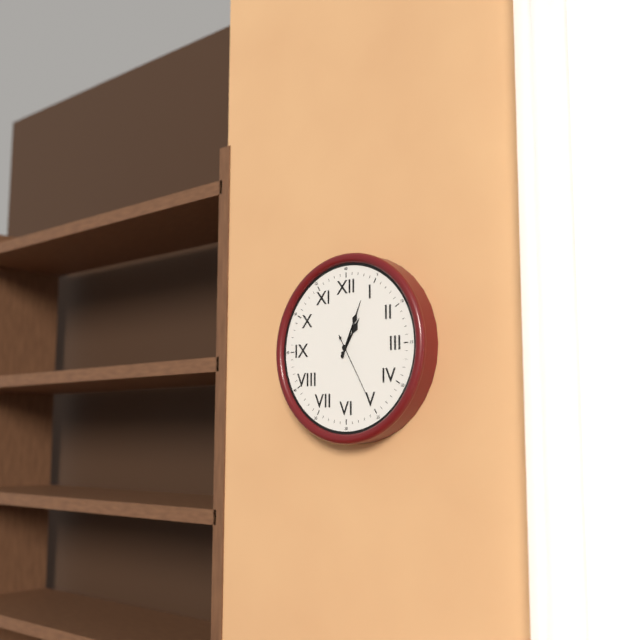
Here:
1 h 04 min 25 s
